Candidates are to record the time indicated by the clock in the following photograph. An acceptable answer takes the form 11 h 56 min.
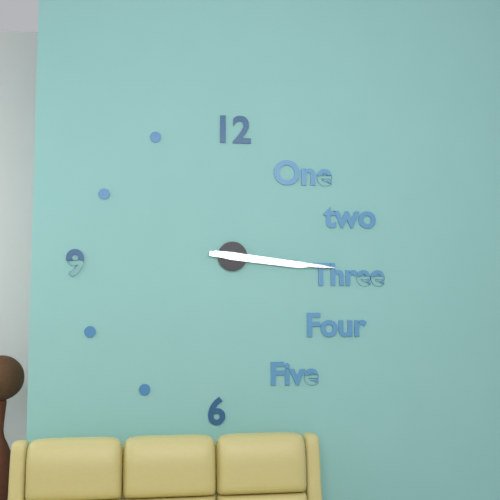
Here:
3 h 16 min
